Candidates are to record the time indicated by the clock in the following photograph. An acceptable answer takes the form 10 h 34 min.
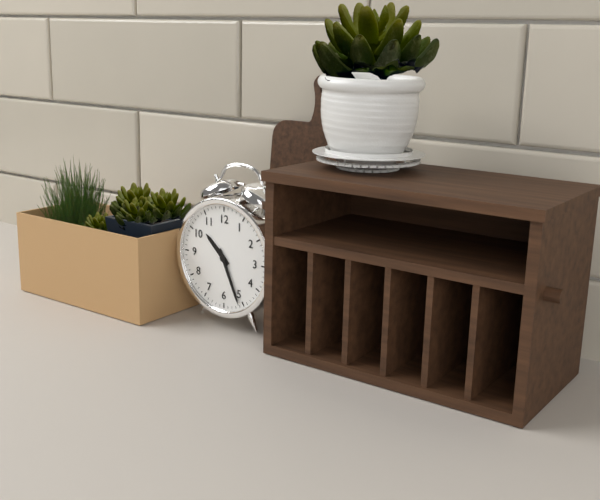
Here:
10 h 26 min
